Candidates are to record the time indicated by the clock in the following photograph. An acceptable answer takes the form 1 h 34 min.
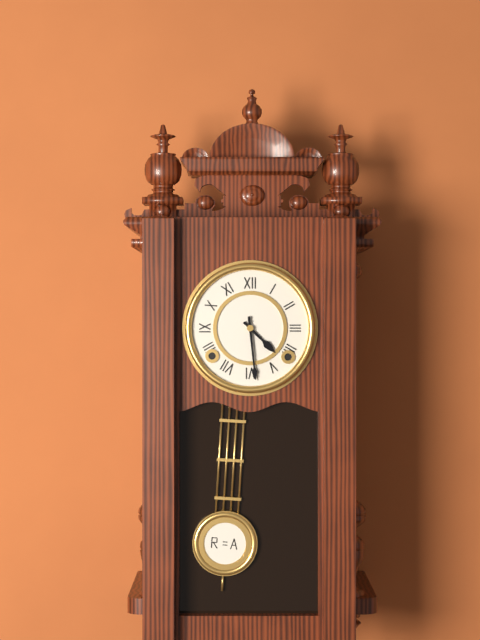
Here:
4 h 29 min
